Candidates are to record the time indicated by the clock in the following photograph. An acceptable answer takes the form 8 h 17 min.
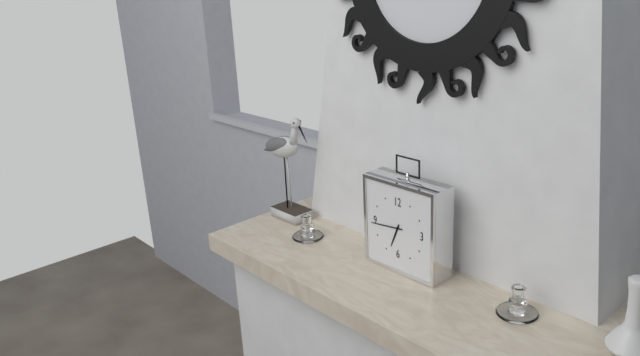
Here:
6 h 44 min
